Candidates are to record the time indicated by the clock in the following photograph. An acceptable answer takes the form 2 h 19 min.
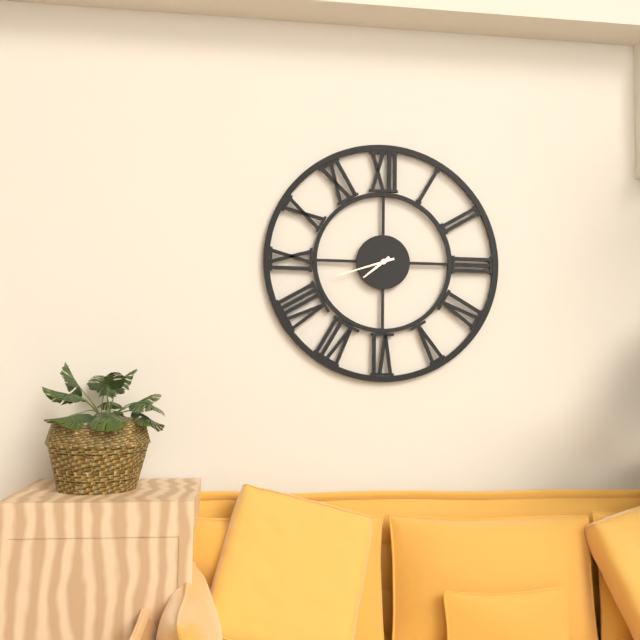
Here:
7 h 42 min
